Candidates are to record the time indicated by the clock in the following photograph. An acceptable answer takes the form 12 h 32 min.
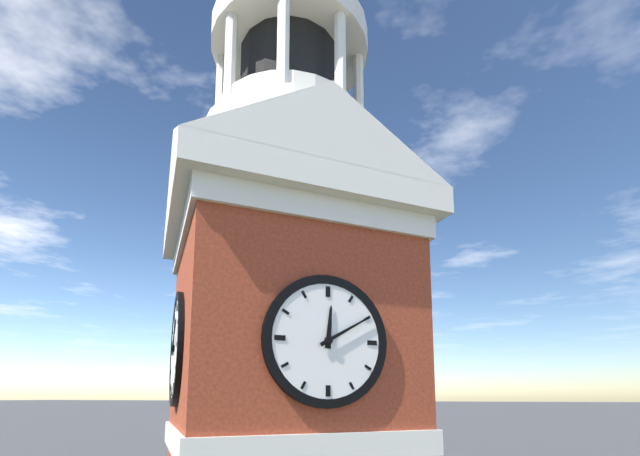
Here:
12 h 10 min
